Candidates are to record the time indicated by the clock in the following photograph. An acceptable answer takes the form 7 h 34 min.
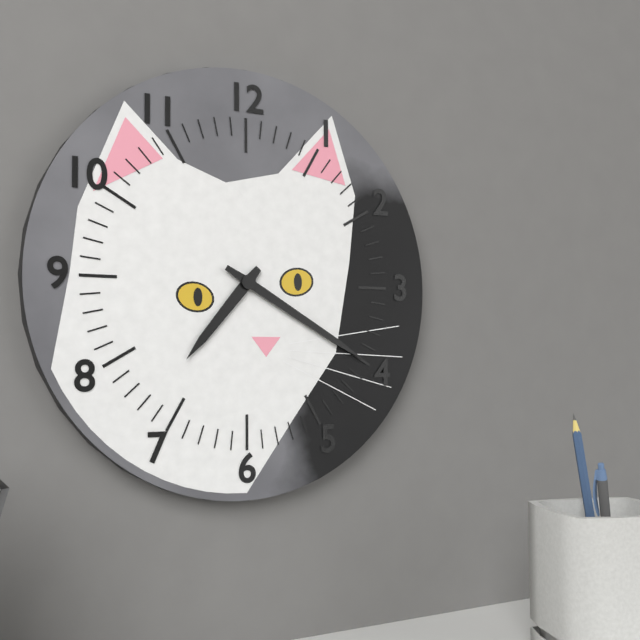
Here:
7 h 20 min
